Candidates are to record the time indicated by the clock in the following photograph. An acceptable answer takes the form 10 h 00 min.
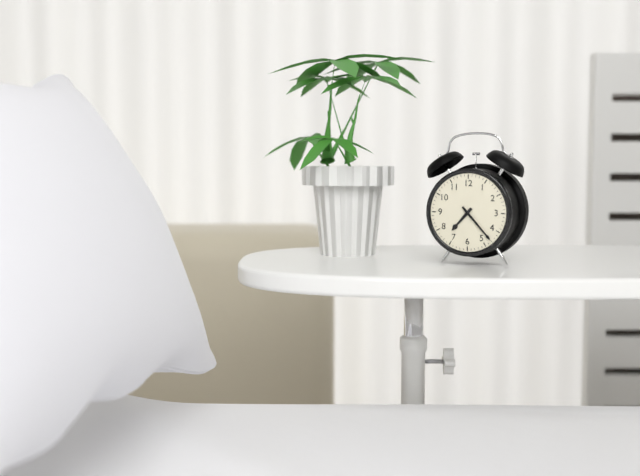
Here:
7 h 23 min
